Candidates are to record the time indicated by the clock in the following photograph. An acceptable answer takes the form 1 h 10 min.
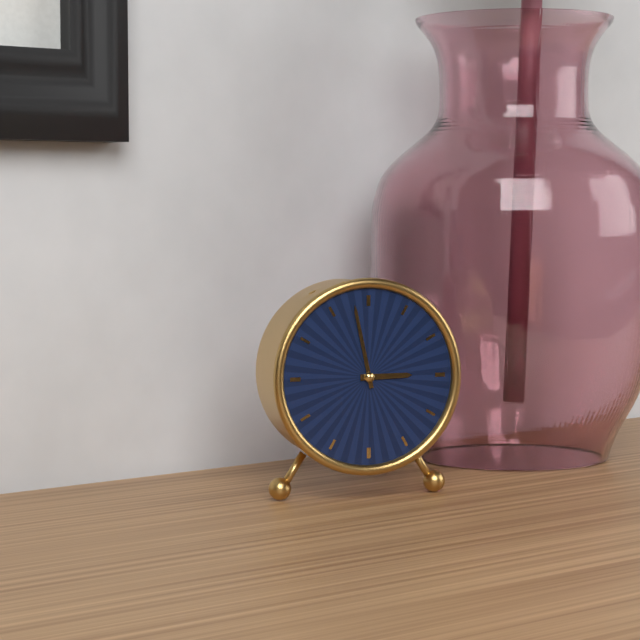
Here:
2 h 58 min
